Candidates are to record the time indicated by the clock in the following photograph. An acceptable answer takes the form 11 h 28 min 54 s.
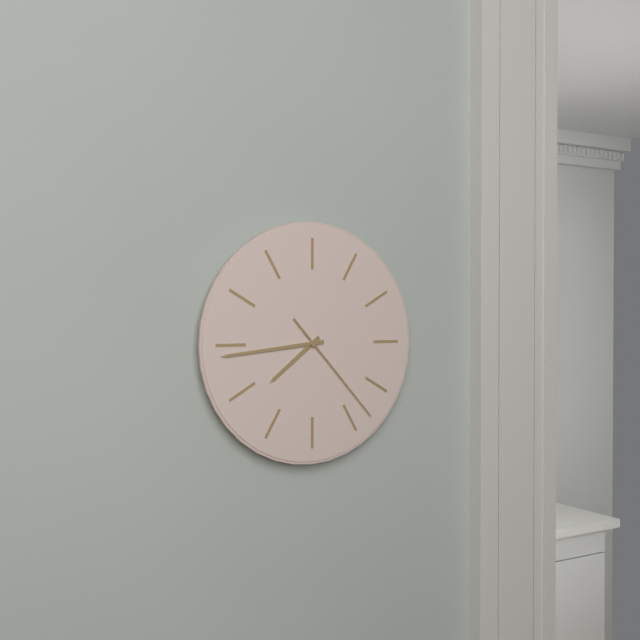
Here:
7 h 44 min 23 s
